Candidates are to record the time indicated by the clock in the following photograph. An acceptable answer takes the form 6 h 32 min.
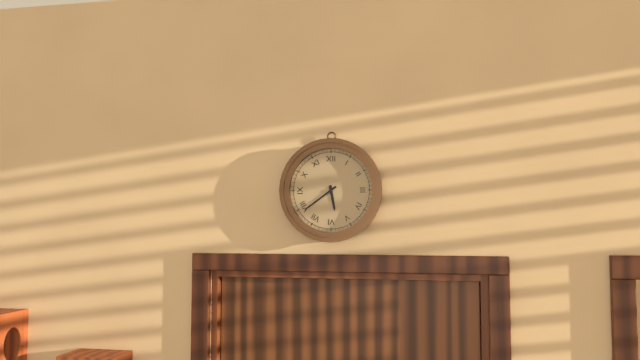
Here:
5 h 39 min
